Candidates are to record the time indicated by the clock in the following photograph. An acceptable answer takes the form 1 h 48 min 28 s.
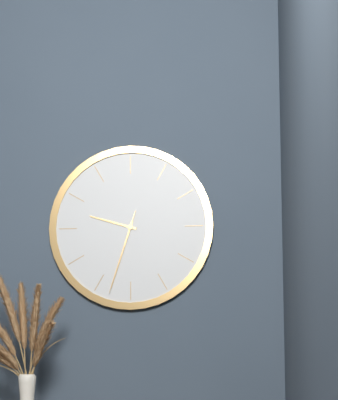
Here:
9 h 33 min 33 s
